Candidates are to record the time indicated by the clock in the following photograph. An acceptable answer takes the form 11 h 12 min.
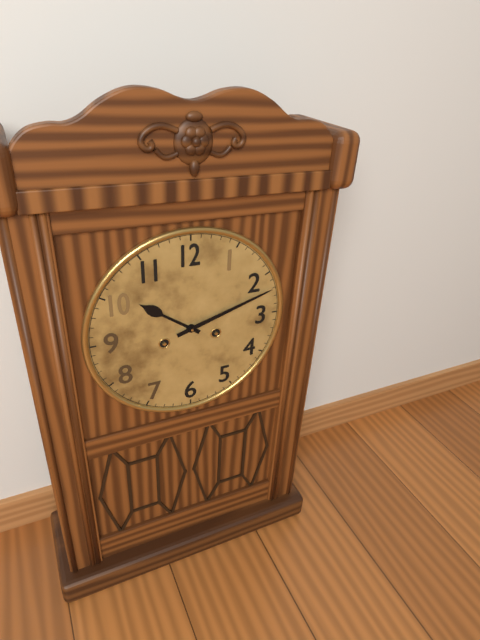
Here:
10 h 12 min
